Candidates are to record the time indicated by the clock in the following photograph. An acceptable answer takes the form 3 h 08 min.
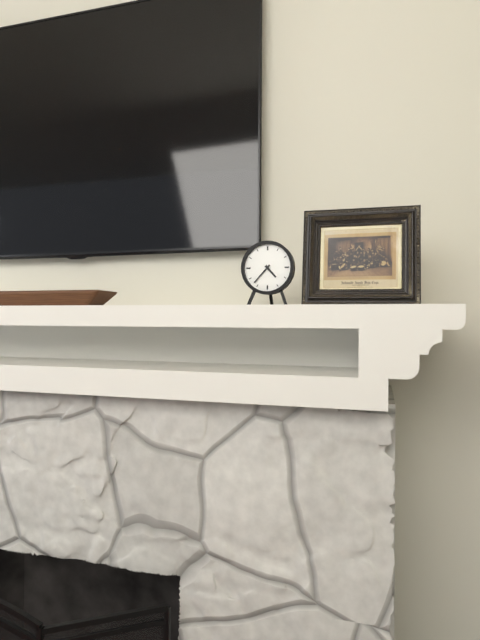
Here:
4 h 37 min
